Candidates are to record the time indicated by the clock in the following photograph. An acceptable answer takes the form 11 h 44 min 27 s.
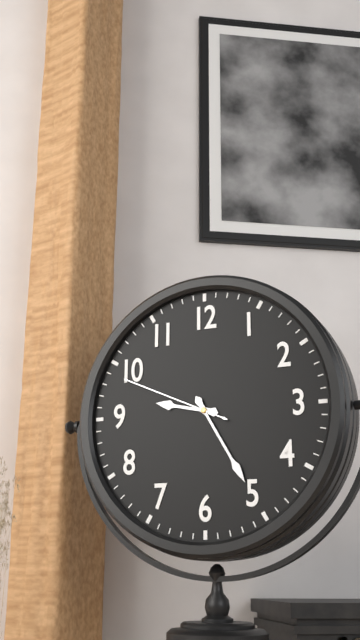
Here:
9 h 25 min 49 s
